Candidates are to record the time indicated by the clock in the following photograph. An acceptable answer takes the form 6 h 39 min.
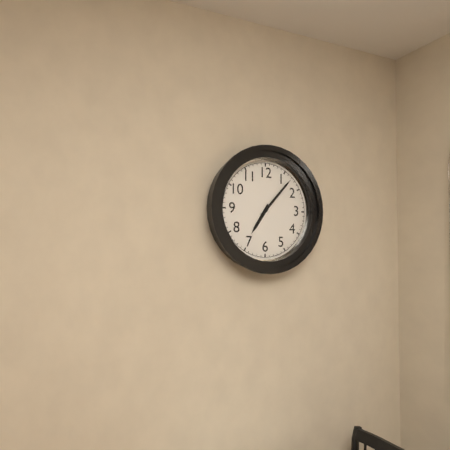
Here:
7 h 07 min
